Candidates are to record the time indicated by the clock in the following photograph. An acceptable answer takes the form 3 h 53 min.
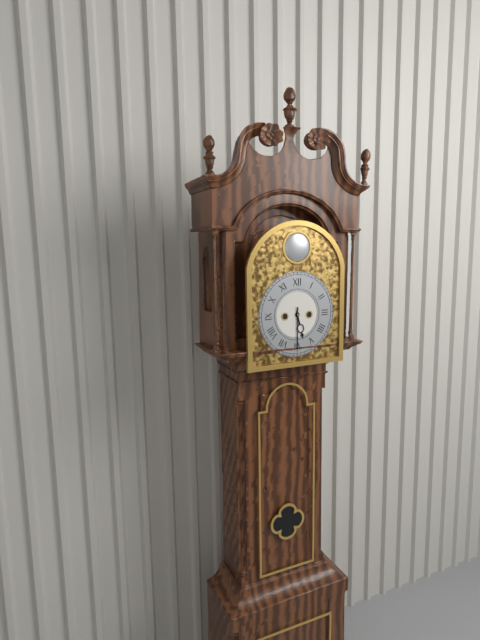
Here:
5 h 30 min
